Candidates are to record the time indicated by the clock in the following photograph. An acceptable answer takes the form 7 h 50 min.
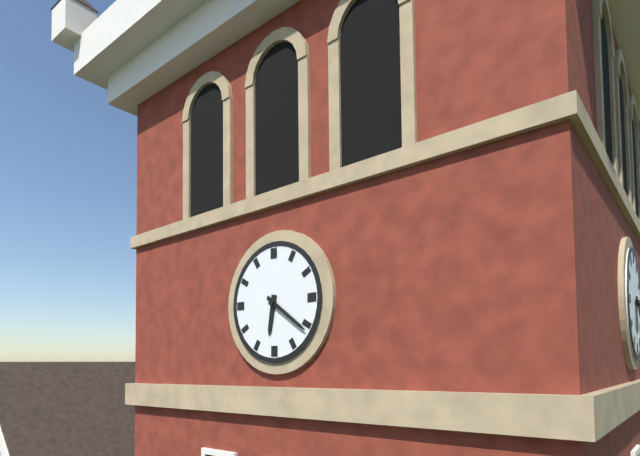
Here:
6 h 21 min
